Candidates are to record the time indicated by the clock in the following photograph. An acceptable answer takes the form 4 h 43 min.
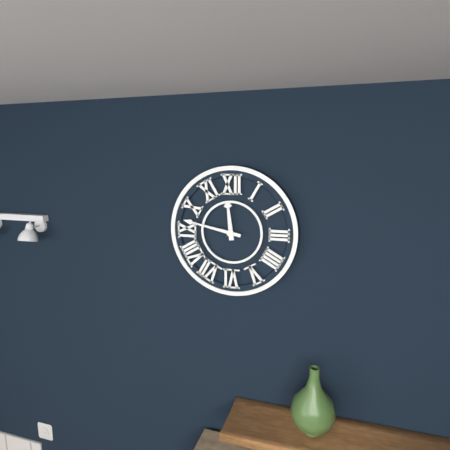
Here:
11 h 47 min
